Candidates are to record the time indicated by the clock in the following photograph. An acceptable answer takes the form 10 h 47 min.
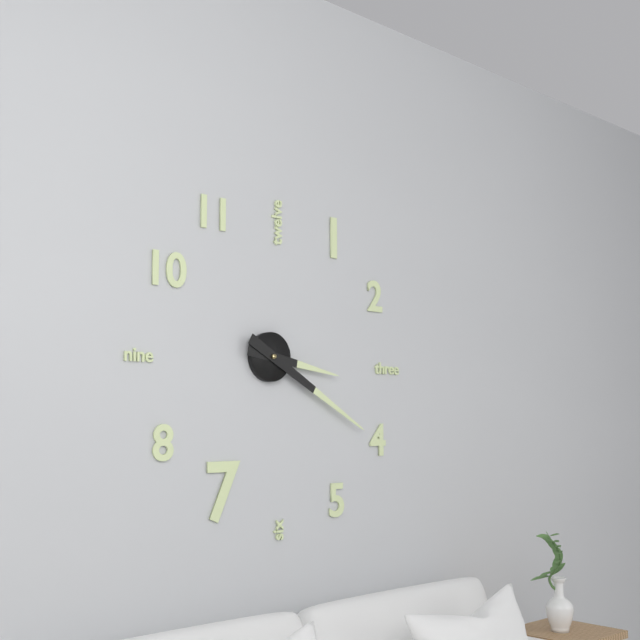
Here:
3 h 20 min
